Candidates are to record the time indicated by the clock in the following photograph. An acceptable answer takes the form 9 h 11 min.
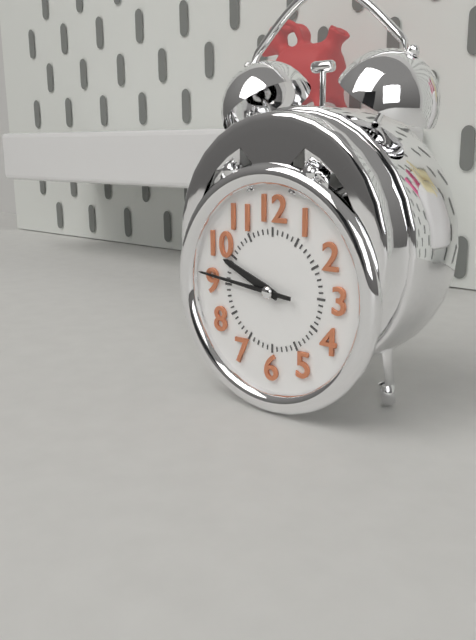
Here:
9 h 46 min
